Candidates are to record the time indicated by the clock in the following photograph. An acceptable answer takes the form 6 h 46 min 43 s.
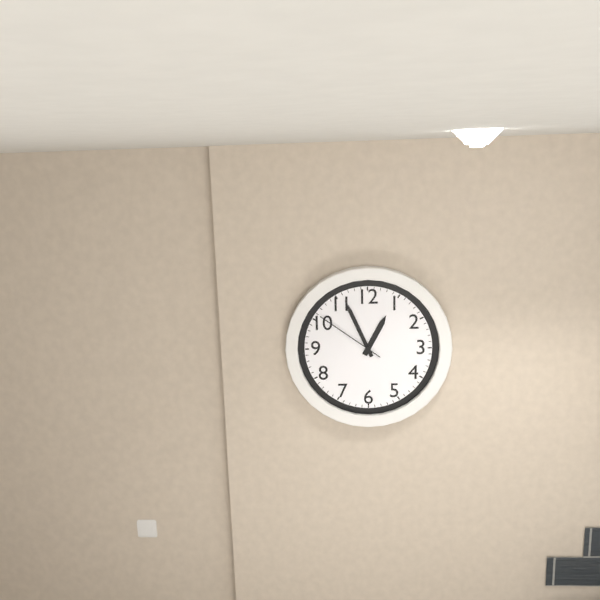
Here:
12 h 56 min 51 s
